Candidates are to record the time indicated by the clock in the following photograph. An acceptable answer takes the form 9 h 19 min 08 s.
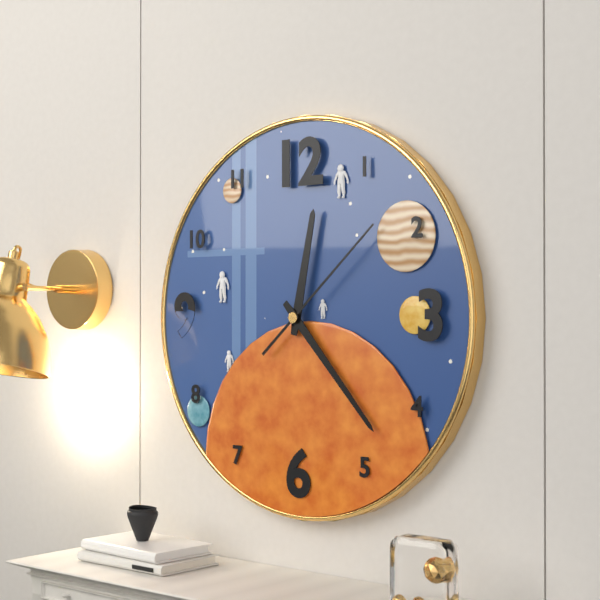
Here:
12 h 23 min 08 s
